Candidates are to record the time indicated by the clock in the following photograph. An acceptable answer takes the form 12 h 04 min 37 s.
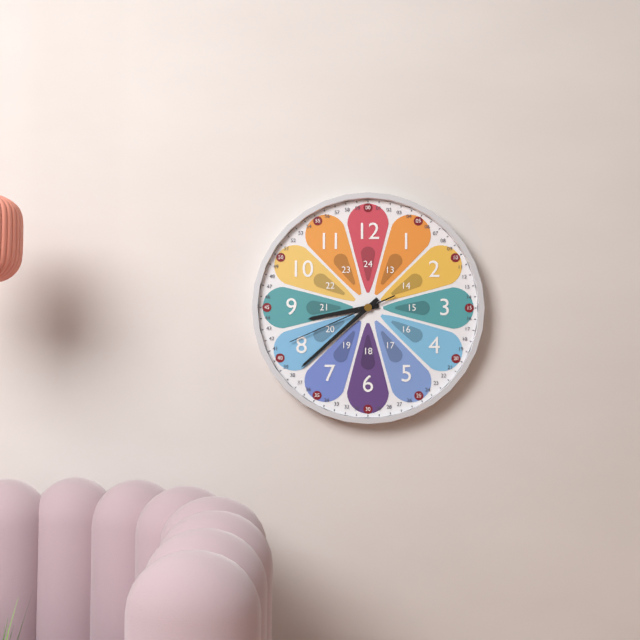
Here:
8 h 38 min 41 s
